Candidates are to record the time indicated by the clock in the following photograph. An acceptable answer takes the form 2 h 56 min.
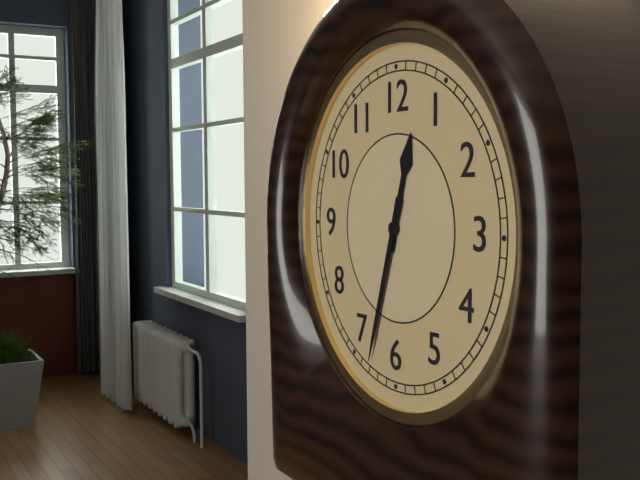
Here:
12 h 33 min
